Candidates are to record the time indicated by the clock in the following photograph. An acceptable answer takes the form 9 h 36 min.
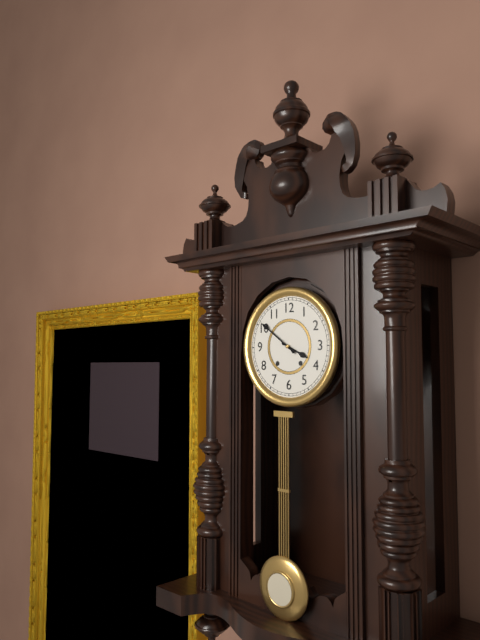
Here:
3 h 51 min
